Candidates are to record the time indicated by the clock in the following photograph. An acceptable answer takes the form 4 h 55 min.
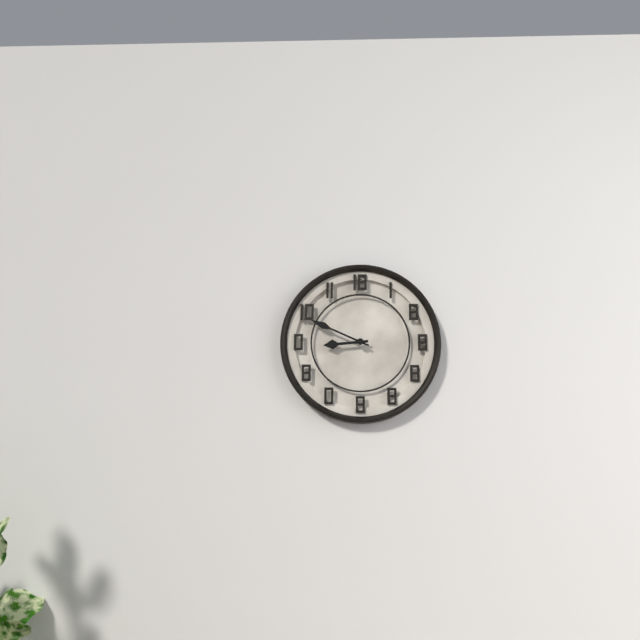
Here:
8 h 49 min
